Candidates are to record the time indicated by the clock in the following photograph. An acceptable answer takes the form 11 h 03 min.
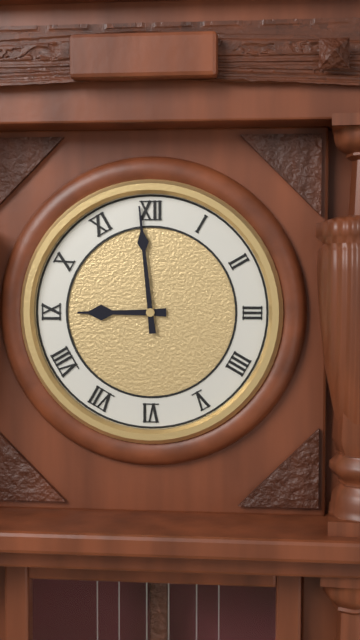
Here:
8 h 59 min
